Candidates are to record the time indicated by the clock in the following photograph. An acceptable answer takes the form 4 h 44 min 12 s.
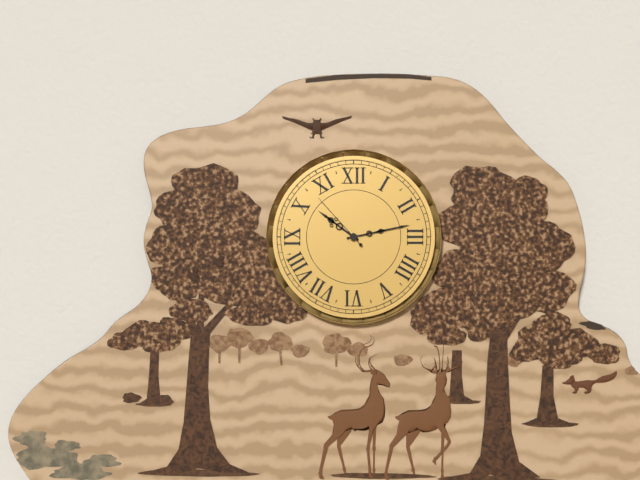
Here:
10 h 13 min 53 s
